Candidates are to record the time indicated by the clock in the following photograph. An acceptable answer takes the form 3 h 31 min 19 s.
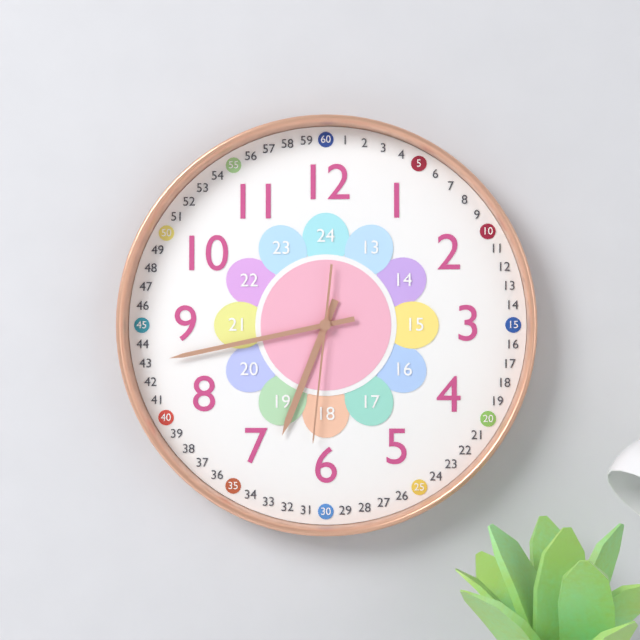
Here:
6 h 43 min 31 s
